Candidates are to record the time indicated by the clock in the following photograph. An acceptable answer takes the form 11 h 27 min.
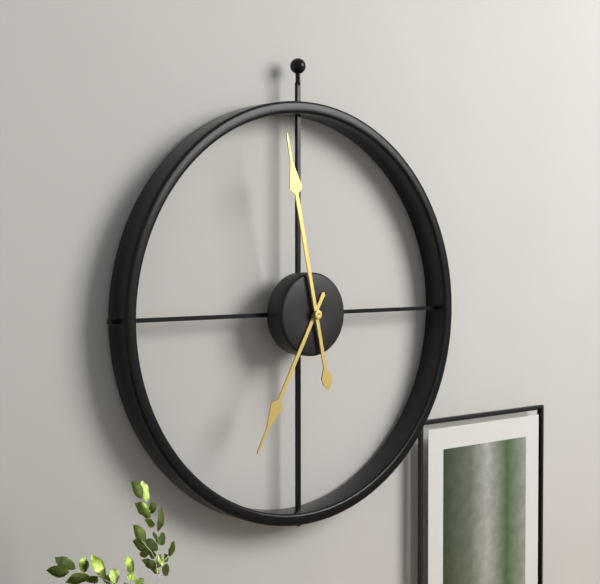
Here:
6 h 58 min
